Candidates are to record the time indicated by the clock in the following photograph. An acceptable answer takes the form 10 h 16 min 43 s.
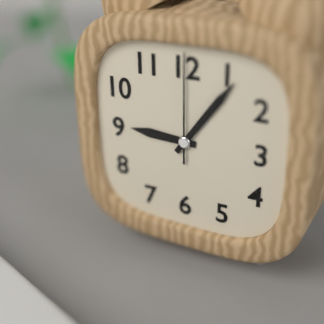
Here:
9 h 06 min 00 s
